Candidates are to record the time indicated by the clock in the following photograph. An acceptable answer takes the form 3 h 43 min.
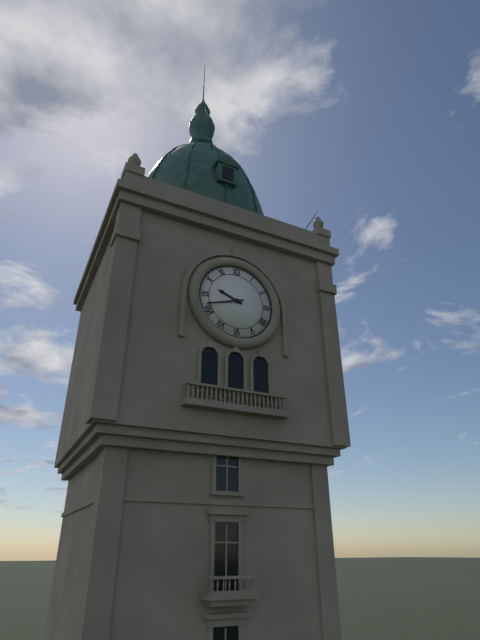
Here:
9 h 42 min
